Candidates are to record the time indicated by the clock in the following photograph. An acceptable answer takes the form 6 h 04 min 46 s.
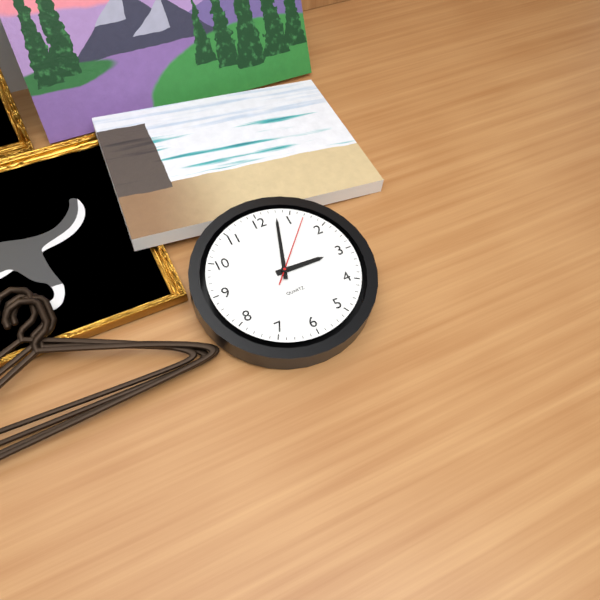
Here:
3 h 03 min 07 s
